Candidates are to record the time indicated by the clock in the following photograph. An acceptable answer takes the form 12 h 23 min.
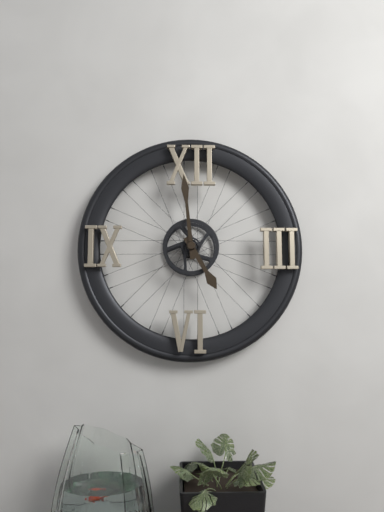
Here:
4 h 59 min
